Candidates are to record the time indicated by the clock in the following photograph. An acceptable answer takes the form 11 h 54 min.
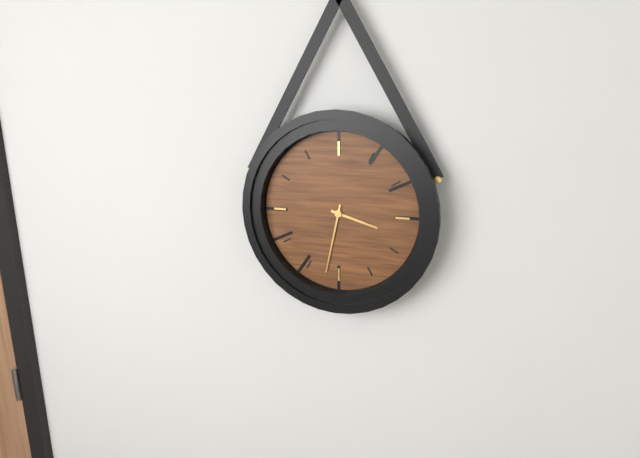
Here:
3 h 32 min
